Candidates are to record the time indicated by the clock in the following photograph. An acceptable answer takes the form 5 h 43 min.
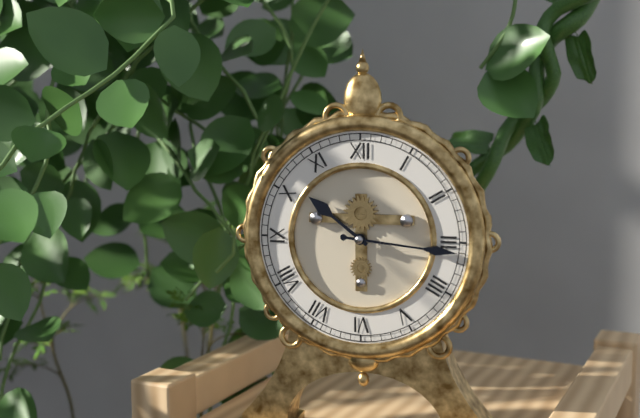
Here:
10 h 16 min
